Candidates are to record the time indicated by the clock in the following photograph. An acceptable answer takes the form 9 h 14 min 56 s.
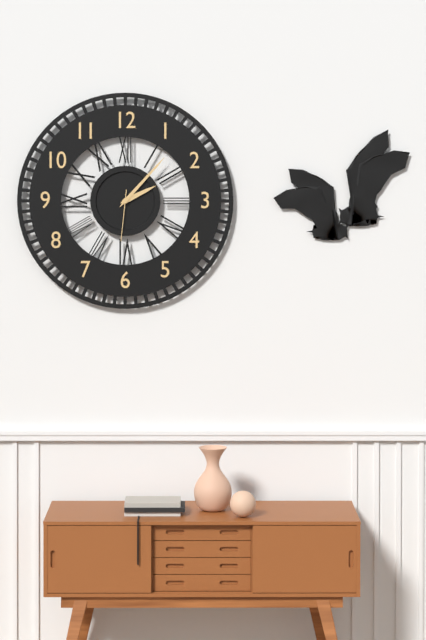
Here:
2 h 07 min 31 s
